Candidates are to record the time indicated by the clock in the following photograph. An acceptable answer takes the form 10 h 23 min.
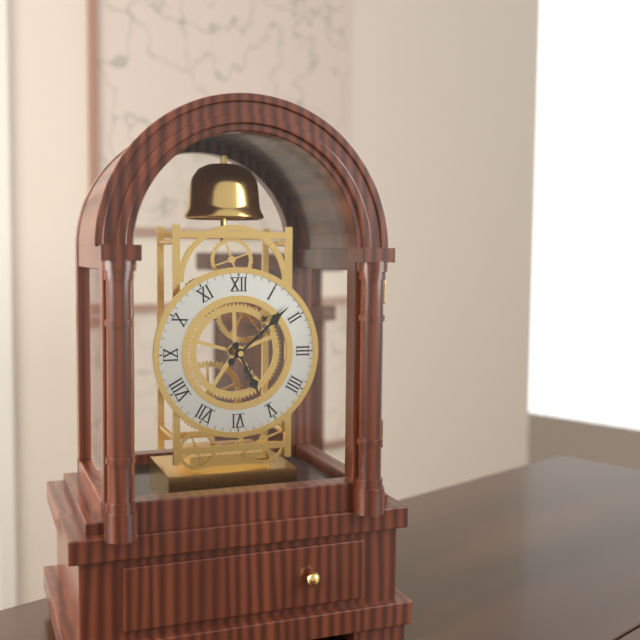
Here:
5 h 08 min
